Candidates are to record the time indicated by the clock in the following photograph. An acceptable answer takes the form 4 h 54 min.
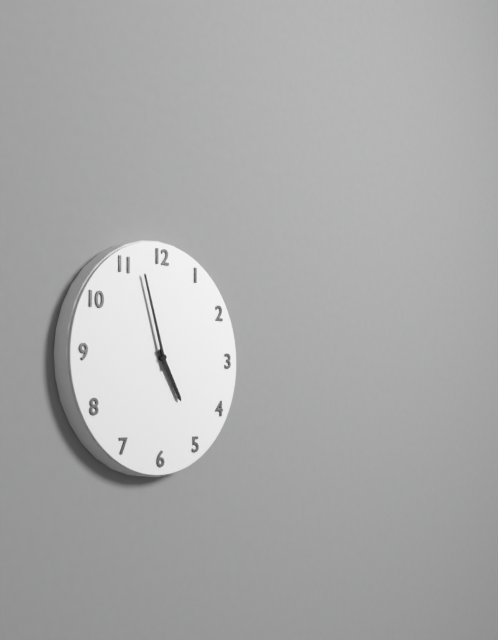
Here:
4 h 57 min
